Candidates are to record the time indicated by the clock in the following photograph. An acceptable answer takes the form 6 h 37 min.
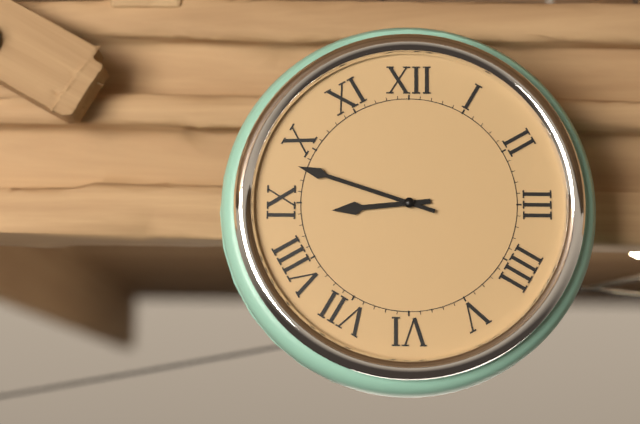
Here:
8 h 48 min
